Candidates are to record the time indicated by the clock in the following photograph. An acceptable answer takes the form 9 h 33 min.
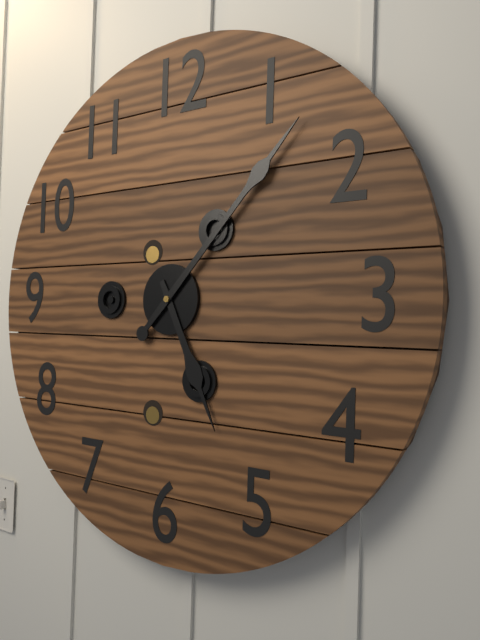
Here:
5 h 07 min
